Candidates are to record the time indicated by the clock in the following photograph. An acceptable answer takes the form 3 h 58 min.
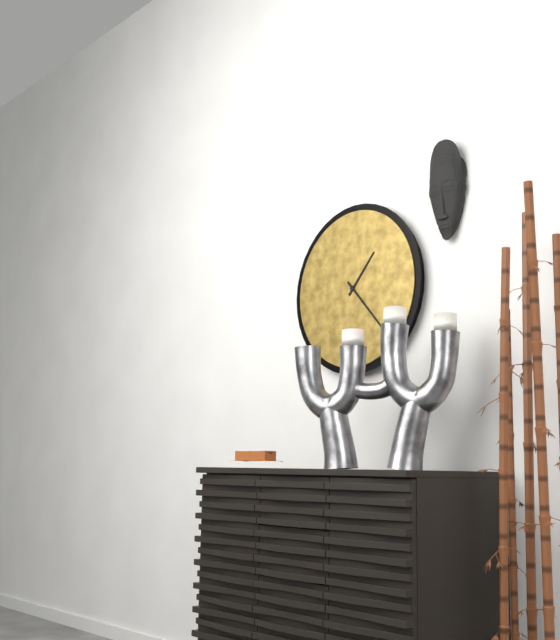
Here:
1 h 23 min
